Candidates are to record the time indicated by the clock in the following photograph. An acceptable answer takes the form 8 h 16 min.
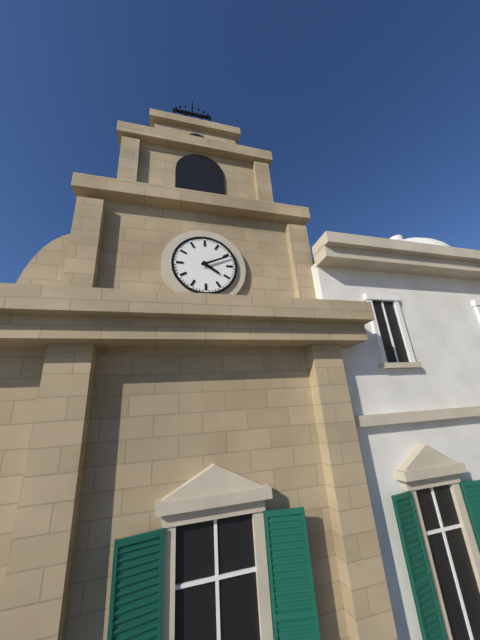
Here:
4 h 11 min
